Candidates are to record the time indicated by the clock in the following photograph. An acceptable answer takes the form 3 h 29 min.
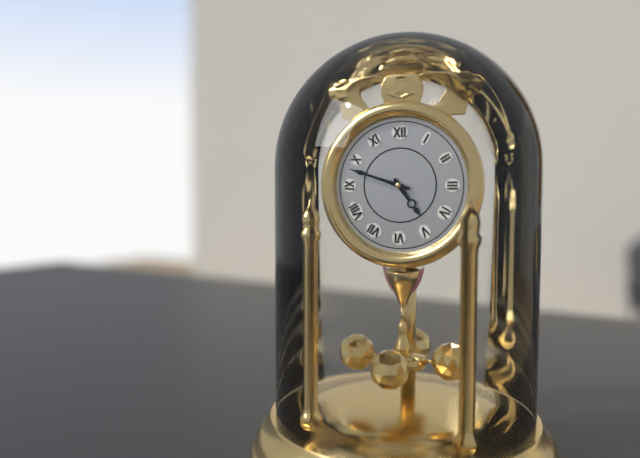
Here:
4 h 48 min
